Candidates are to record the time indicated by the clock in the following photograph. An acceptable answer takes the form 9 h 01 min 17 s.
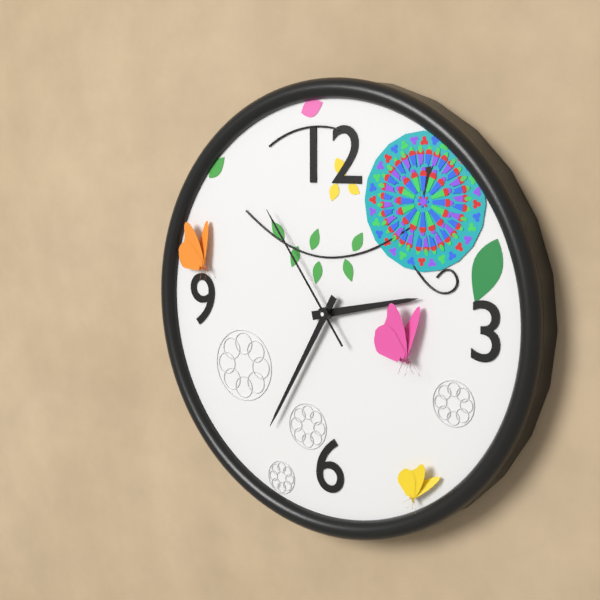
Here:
2 h 35 min 54 s
